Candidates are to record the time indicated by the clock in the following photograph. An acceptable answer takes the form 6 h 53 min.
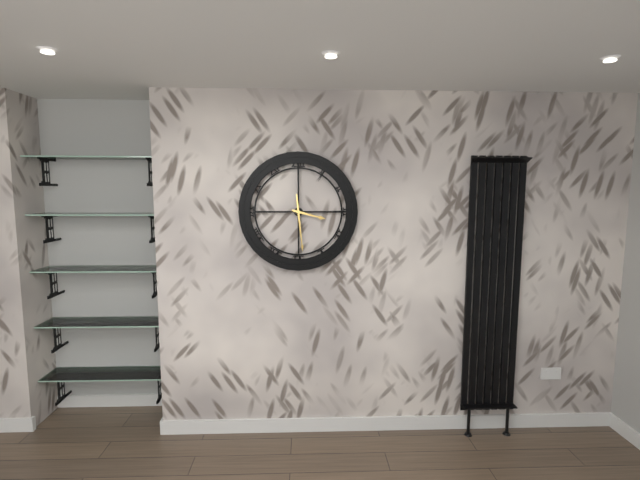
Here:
3 h 29 min
